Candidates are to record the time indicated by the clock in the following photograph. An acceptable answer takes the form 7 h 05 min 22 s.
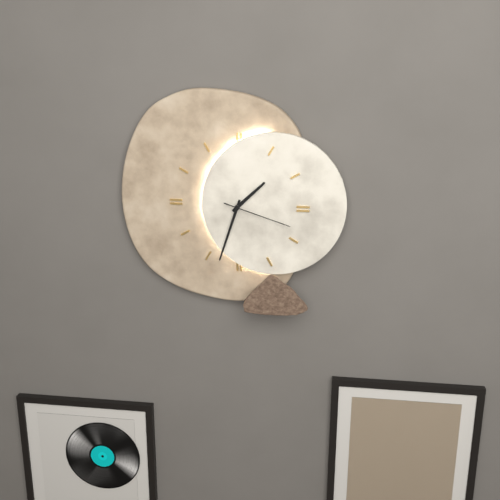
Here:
1 h 33 min 18 s
